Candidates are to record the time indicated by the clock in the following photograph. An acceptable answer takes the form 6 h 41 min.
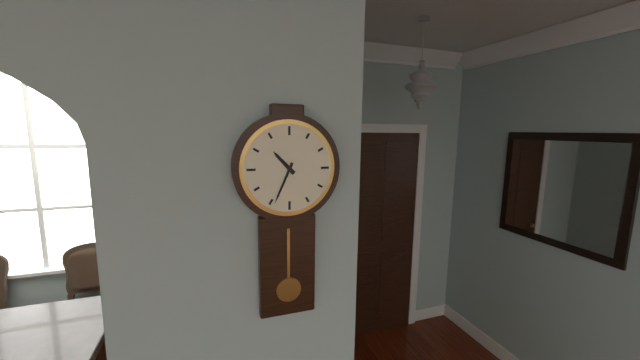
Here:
10 h 34 min
